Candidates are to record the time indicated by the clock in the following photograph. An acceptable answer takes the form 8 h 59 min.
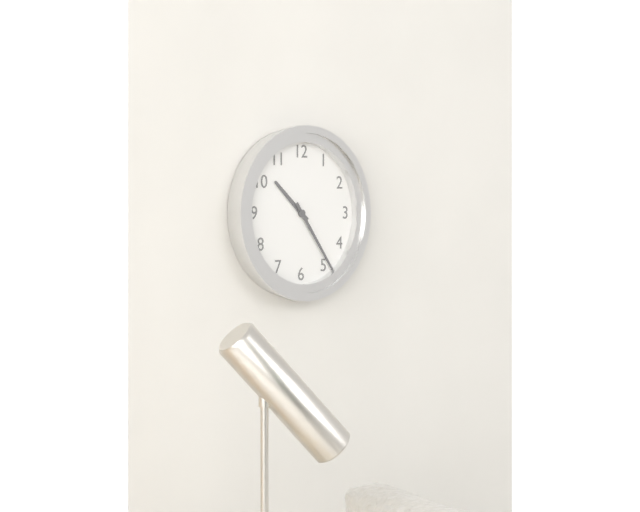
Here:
10 h 24 min
